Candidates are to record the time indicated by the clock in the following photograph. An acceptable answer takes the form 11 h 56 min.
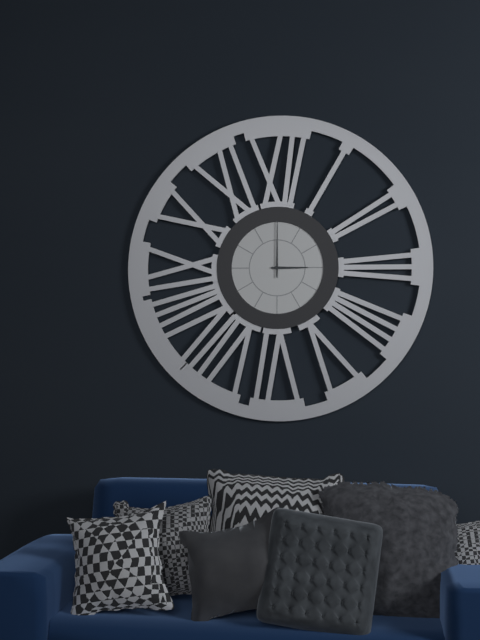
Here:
3 h 00 min
